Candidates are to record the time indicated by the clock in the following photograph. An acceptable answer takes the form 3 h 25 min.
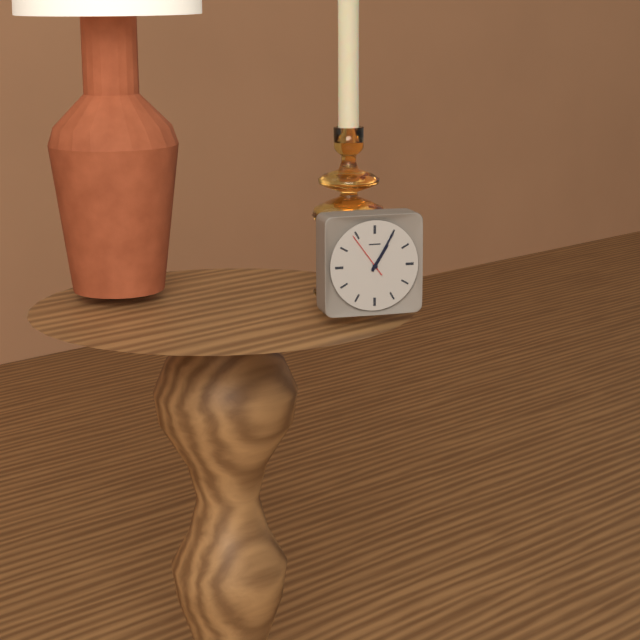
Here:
1 h 05 min
